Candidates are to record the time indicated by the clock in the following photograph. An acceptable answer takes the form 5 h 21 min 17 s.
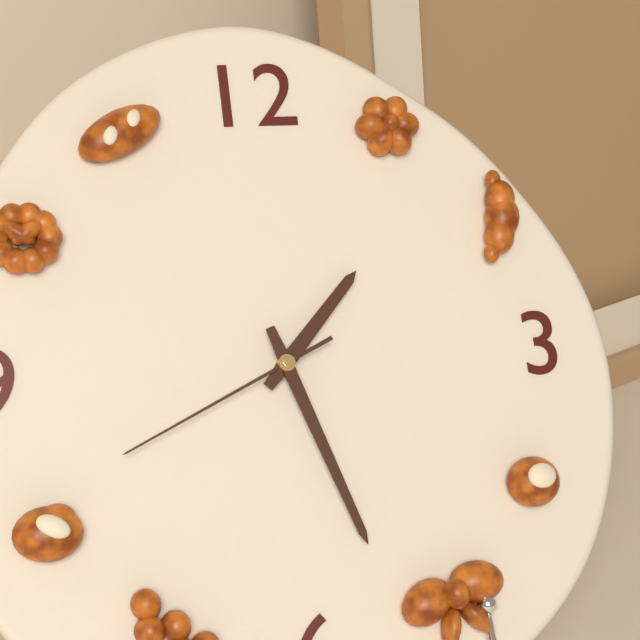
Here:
1 h 27 min 41 s
